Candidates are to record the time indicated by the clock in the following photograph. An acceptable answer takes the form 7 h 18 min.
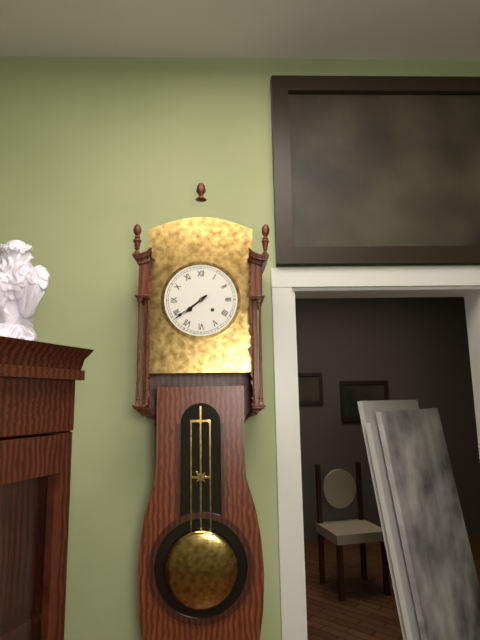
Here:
7 h 39 min
